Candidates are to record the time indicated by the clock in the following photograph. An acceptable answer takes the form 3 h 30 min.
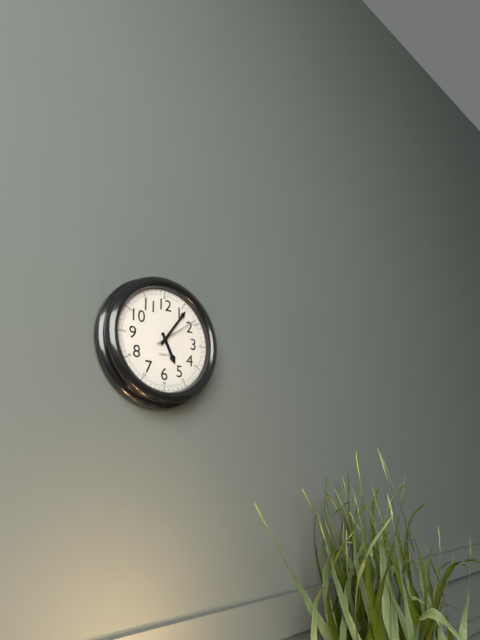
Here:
5 h 06 min
